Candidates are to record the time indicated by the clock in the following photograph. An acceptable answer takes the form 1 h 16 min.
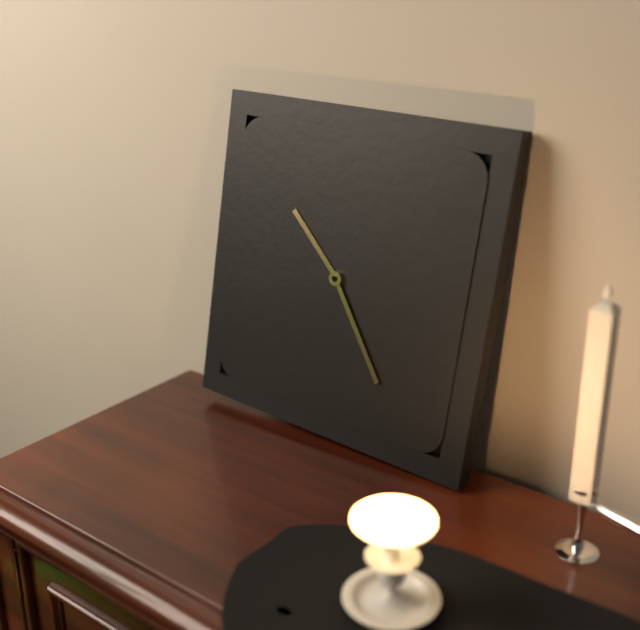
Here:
10 h 24 min
